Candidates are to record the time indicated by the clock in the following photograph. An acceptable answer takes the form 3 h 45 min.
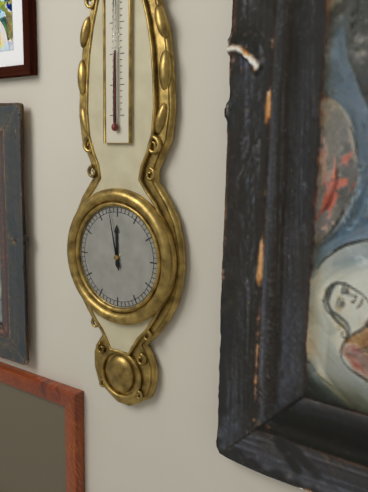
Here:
11 h 58 min
